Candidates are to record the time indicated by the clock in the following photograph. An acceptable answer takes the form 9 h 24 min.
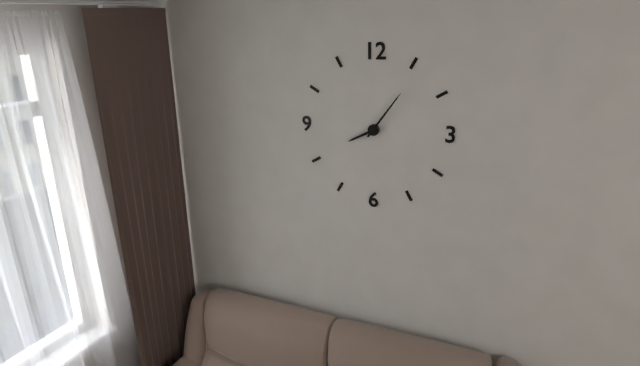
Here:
8 h 06 min
